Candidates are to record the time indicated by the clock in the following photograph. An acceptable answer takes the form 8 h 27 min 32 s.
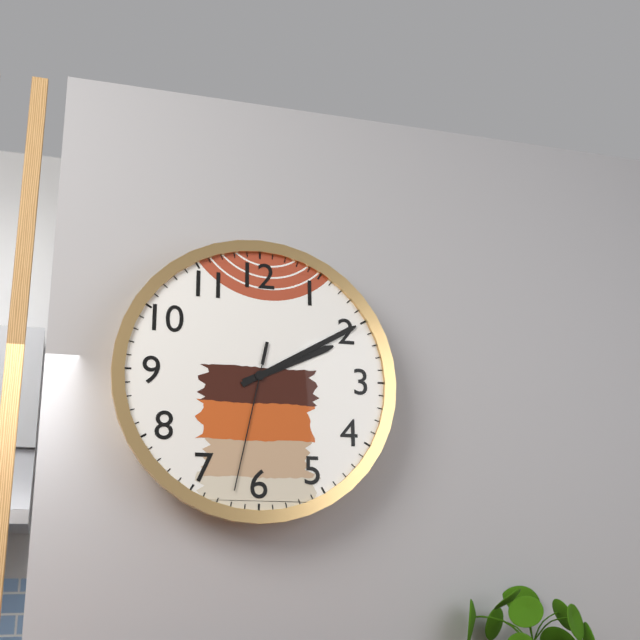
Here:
2 h 10 min 32 s
